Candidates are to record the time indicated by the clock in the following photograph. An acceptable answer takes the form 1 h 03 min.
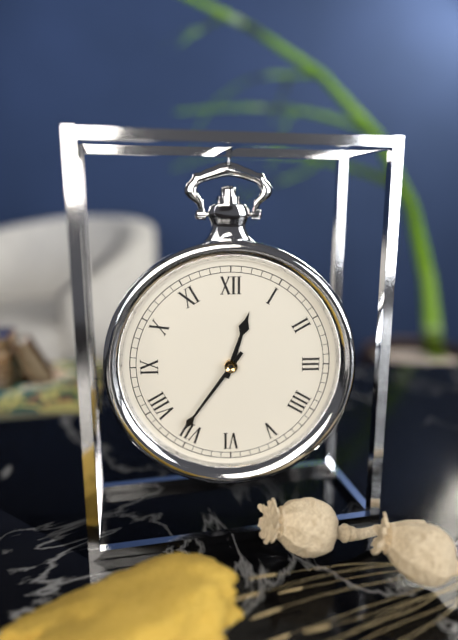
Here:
12 h 36 min
